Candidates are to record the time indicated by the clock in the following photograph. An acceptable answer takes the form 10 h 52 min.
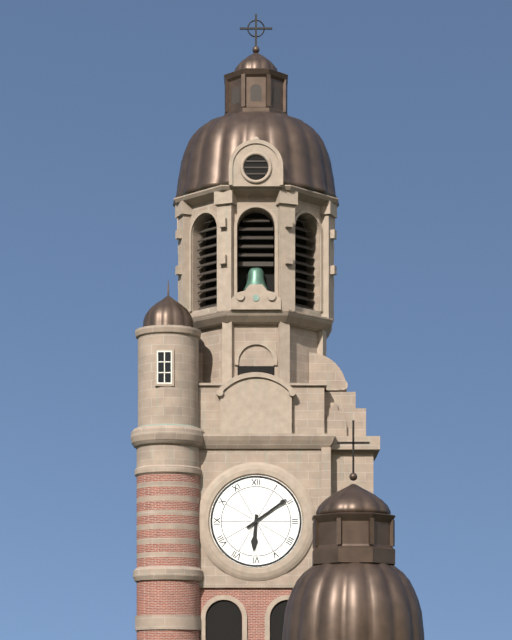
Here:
6 h 09 min
